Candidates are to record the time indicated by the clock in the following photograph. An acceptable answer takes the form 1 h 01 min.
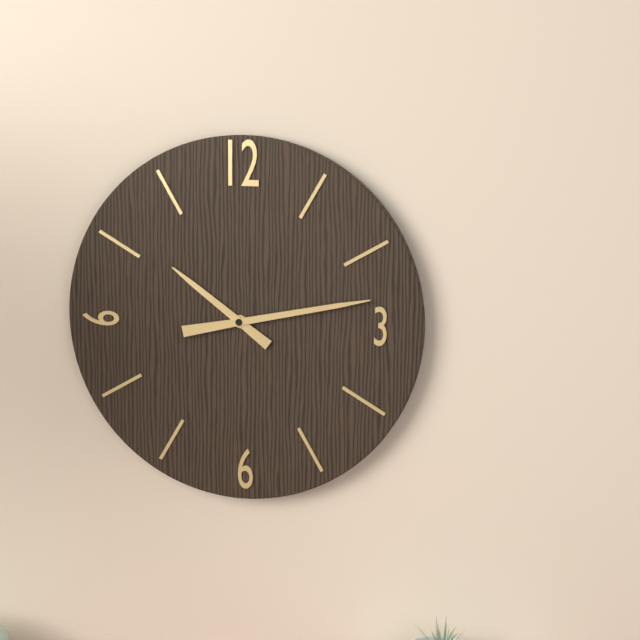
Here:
10 h 13 min
